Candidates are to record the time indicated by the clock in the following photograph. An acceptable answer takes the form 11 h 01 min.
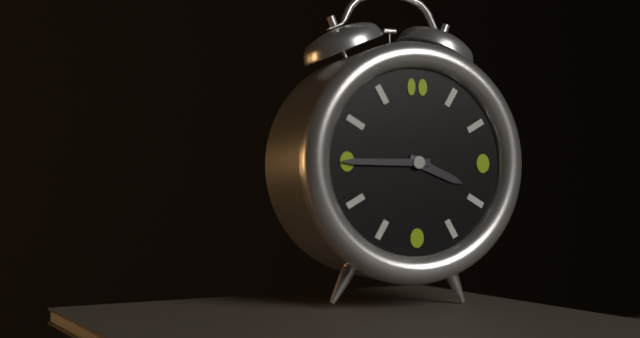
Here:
3 h 45 min
